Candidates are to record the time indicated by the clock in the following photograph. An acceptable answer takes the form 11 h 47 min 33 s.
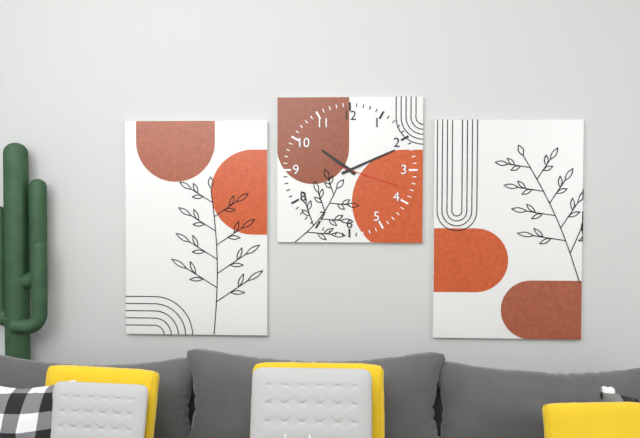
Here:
10 h 11 min 18 s
